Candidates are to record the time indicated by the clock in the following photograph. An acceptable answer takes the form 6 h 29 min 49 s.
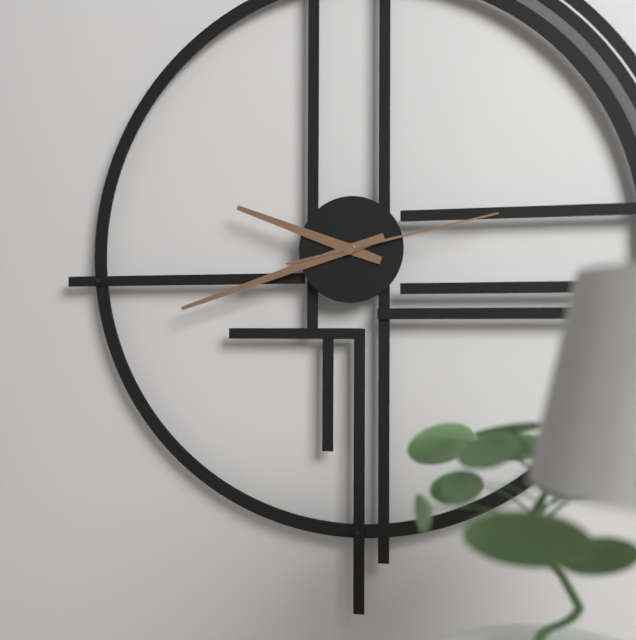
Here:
9 h 42 min 13 s
